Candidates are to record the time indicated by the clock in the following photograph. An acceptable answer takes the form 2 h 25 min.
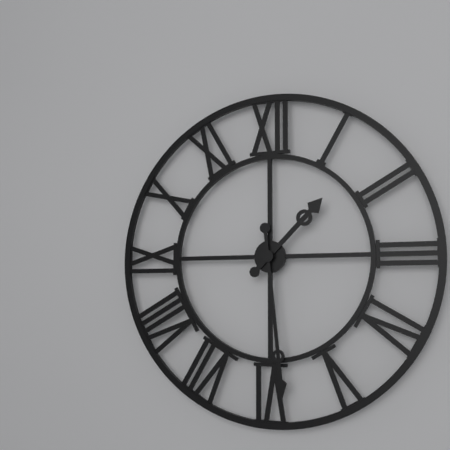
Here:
1 h 29 min
